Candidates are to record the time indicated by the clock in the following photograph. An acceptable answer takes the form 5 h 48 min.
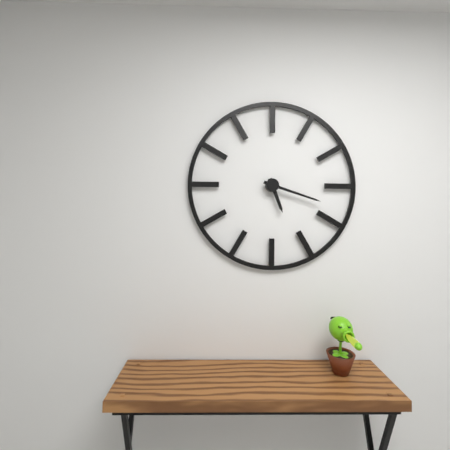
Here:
5 h 18 min
